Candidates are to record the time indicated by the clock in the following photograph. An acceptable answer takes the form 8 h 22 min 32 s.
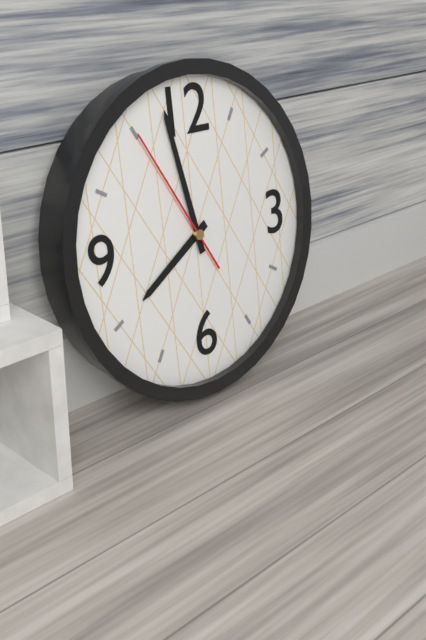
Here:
7 h 58 min 55 s
